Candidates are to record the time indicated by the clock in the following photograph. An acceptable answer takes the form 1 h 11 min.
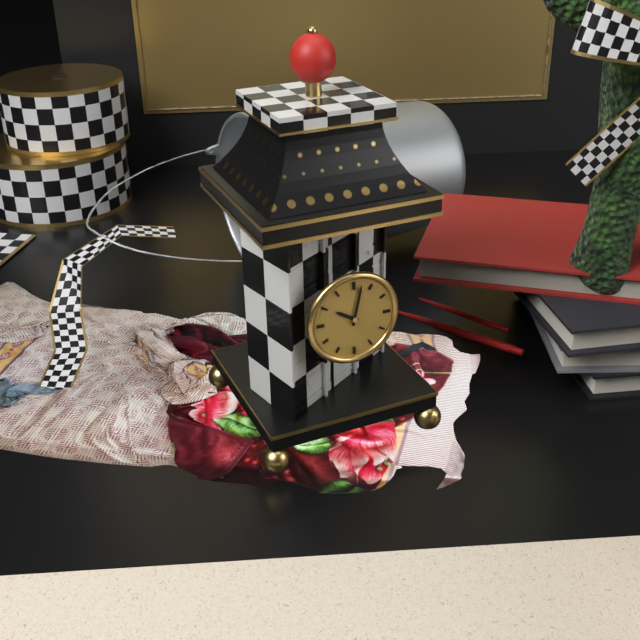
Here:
10 h 02 min
